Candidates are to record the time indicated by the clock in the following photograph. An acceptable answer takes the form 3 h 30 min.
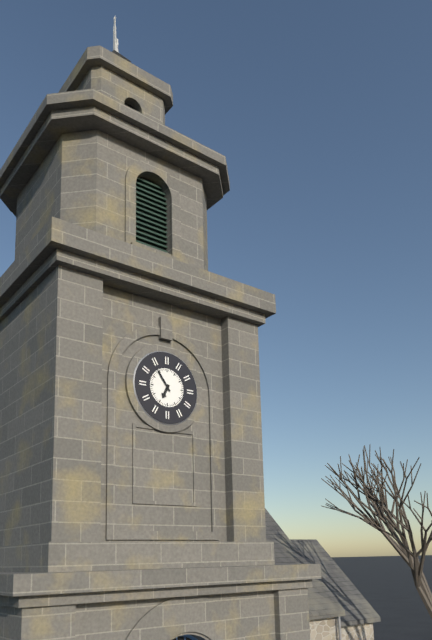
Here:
6 h 54 min
